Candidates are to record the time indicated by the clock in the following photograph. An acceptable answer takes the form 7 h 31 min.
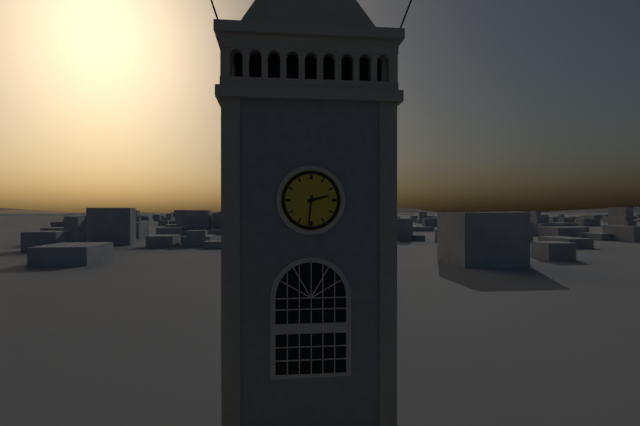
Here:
2 h 31 min
